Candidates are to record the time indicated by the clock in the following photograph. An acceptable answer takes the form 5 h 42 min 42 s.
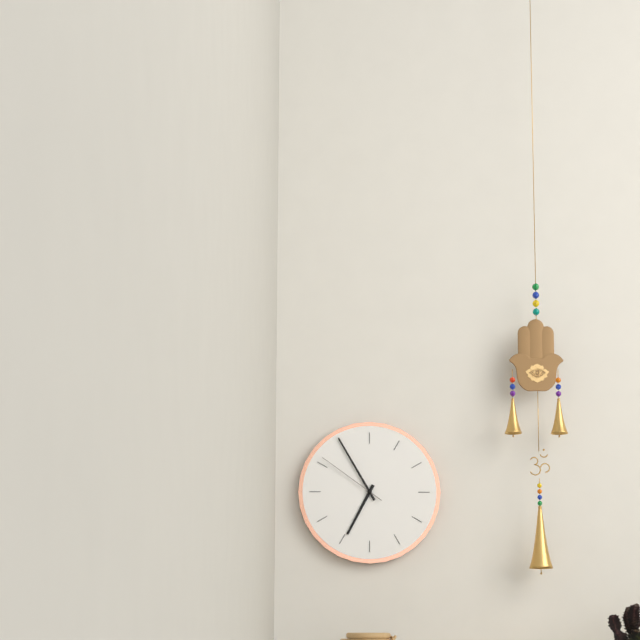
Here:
6 h 55 min 51 s
